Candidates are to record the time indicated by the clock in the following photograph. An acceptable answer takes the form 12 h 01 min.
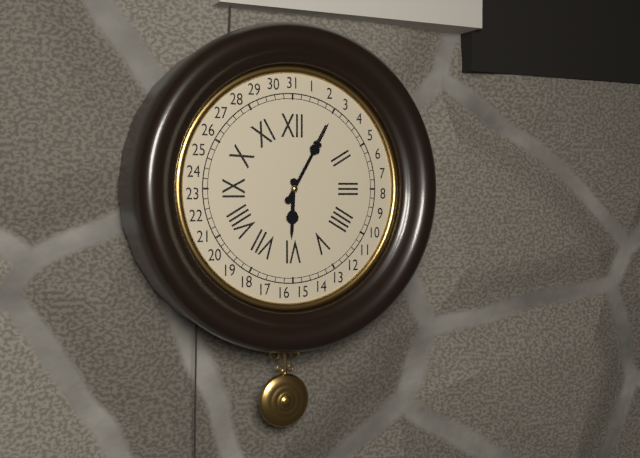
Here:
6 h 05 min
